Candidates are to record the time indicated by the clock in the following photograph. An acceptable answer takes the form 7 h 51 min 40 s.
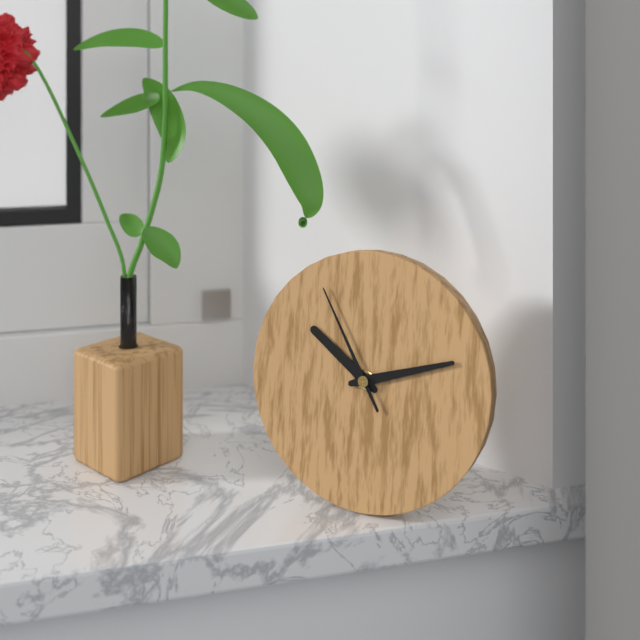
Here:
10 h 12 min 55 s
